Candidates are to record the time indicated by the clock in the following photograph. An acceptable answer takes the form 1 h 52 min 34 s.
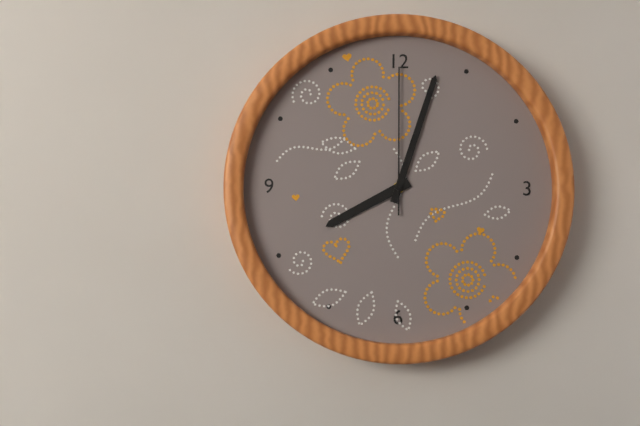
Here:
8 h 03 min 00 s
